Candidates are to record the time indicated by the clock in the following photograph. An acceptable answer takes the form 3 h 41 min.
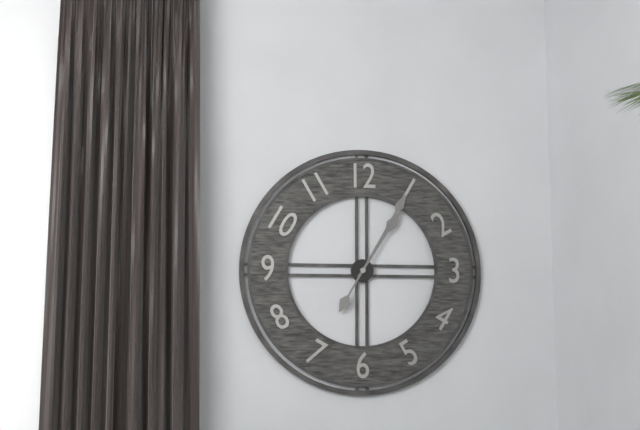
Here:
1 h 05 min
